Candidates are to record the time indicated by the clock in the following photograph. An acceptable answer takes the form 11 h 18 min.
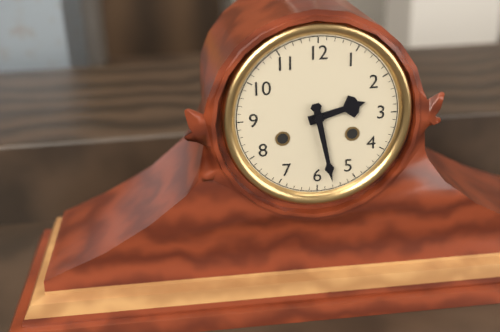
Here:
2 h 28 min
